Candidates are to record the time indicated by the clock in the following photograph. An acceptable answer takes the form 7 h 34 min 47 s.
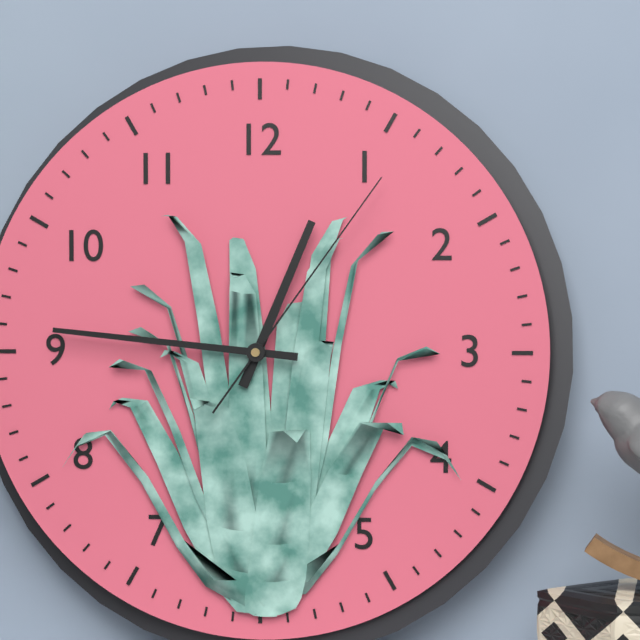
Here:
12 h 46 min 06 s
